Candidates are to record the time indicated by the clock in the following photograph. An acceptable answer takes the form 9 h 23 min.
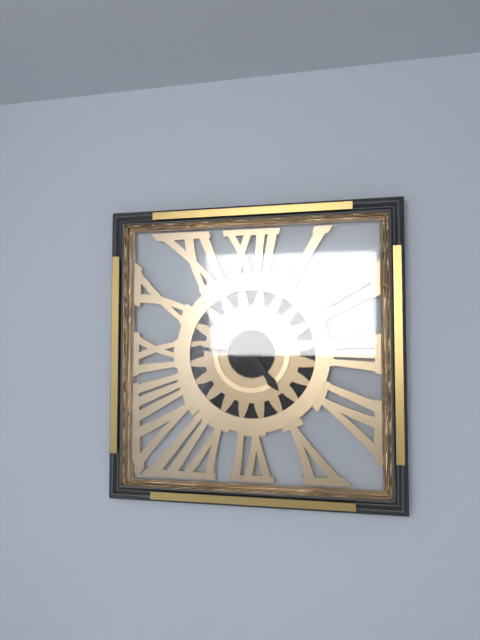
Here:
4 h 46 min
